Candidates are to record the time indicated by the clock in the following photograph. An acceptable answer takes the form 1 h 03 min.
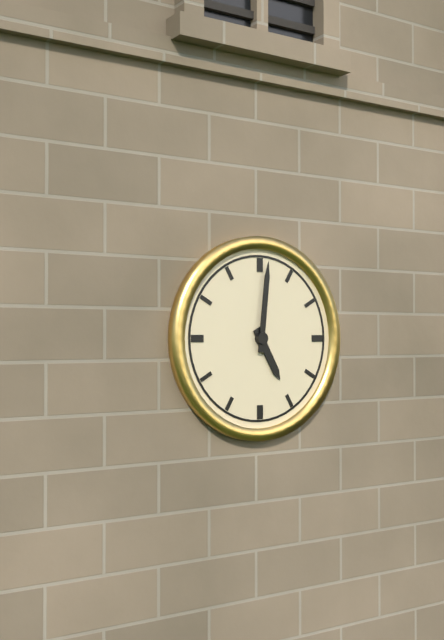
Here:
5 h 01 min
